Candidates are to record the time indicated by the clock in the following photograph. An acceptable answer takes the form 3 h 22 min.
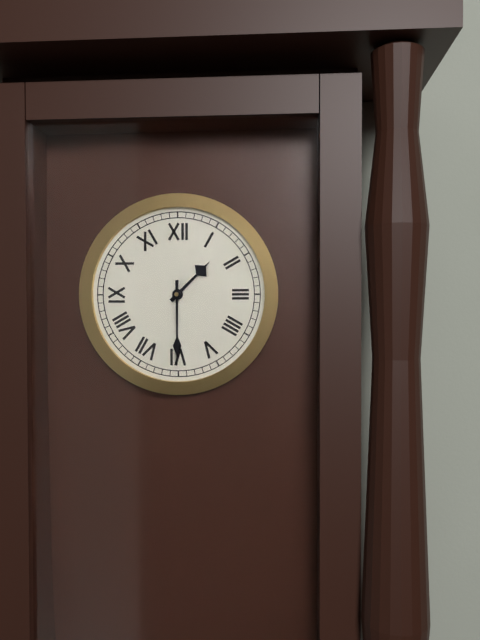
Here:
1 h 30 min
